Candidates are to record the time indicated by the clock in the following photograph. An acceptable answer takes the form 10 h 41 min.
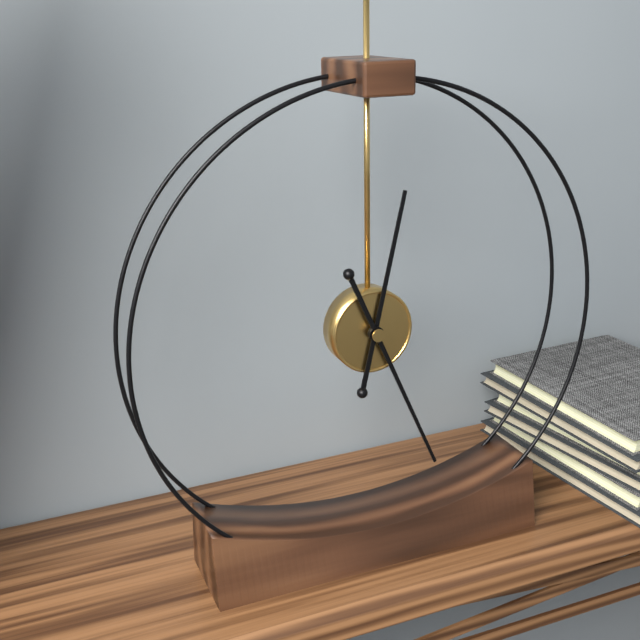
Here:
12 h 26 min
